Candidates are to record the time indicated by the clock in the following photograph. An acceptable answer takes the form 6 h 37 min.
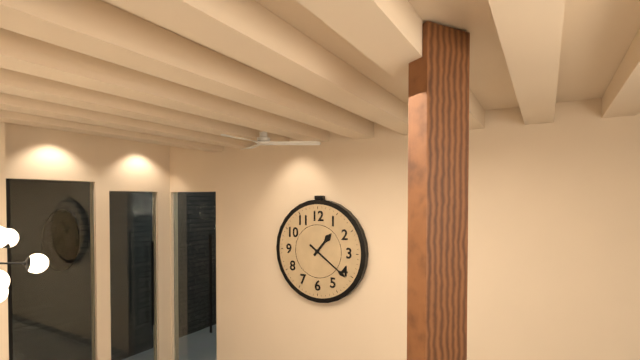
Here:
1 h 21 min
